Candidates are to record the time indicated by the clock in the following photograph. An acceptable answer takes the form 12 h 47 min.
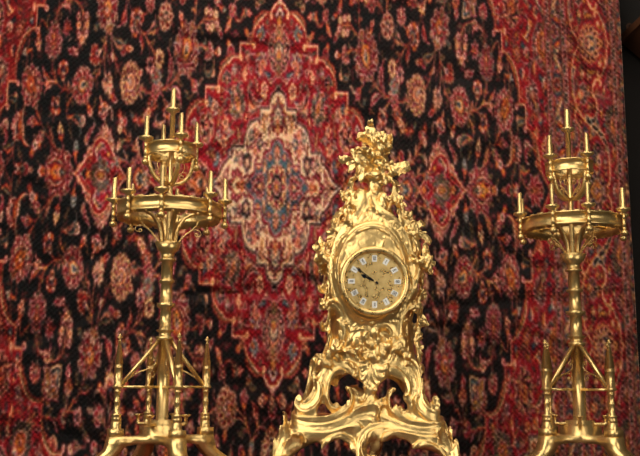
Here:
9 h 51 min
